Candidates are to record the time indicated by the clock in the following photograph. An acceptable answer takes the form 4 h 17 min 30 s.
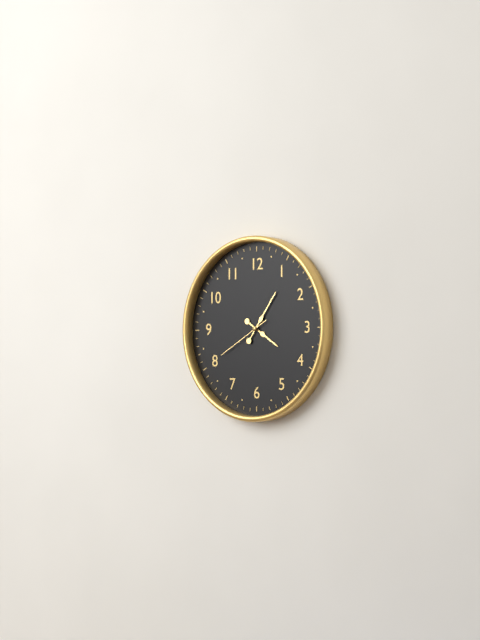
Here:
4 h 06 min 40 s
